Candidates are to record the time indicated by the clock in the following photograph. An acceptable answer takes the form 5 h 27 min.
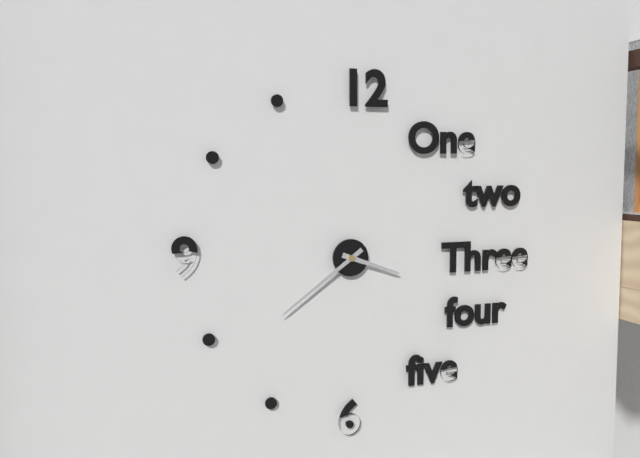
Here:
3 h 39 min
